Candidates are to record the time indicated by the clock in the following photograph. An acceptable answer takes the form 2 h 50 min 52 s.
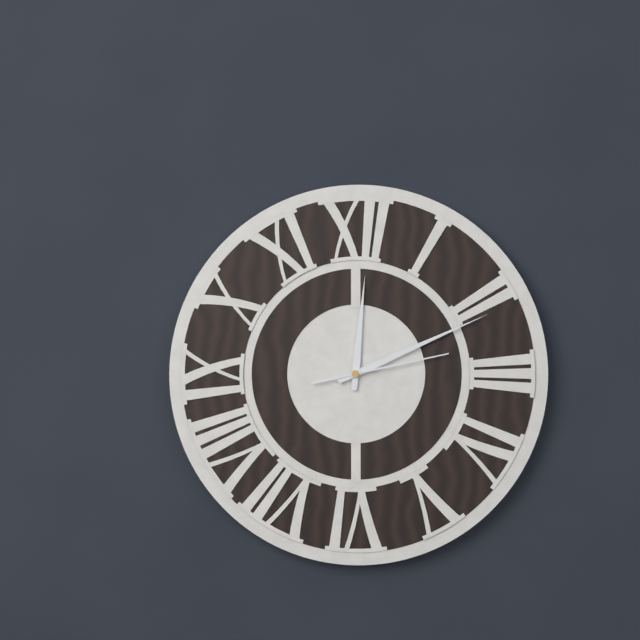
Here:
12 h 11 min 13 s
